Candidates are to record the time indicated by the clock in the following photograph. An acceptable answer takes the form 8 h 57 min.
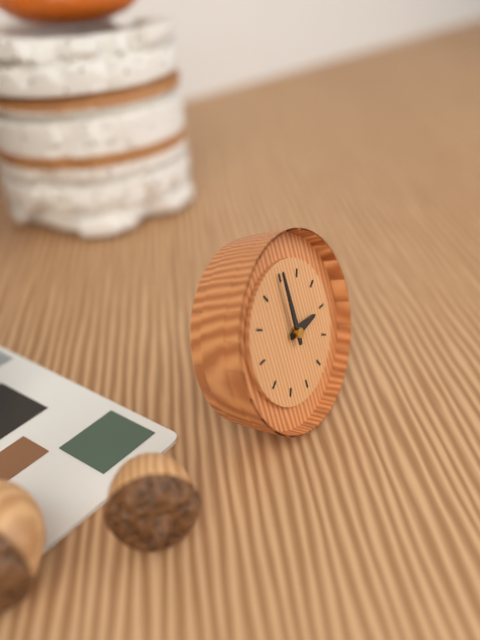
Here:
3 h 00 min
